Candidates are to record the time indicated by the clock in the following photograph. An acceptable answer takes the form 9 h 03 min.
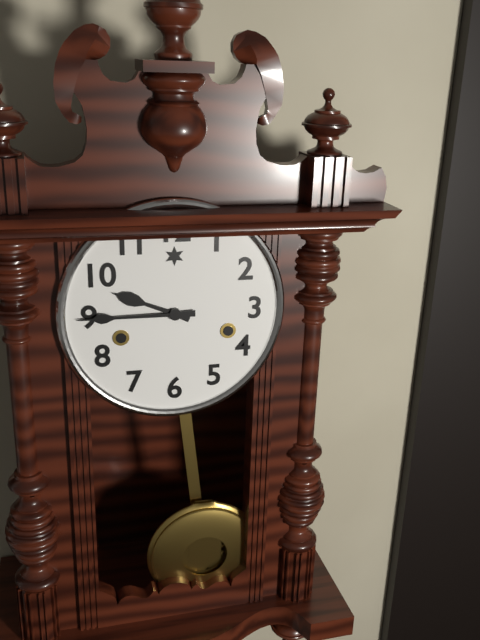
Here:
9 h 45 min
